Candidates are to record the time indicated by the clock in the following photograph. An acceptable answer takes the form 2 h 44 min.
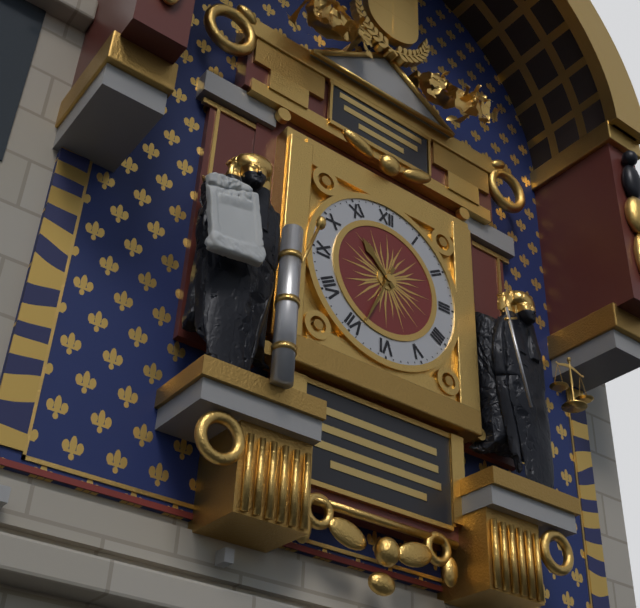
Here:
10 h 34 min
